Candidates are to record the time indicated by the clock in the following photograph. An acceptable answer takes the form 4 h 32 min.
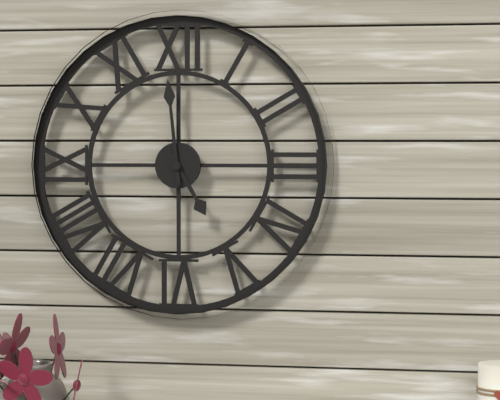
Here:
4 h 59 min
